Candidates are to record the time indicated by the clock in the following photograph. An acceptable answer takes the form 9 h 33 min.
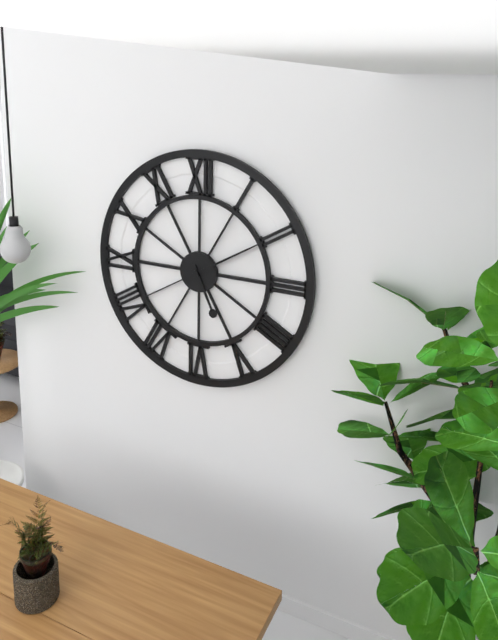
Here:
5 h 10 min
